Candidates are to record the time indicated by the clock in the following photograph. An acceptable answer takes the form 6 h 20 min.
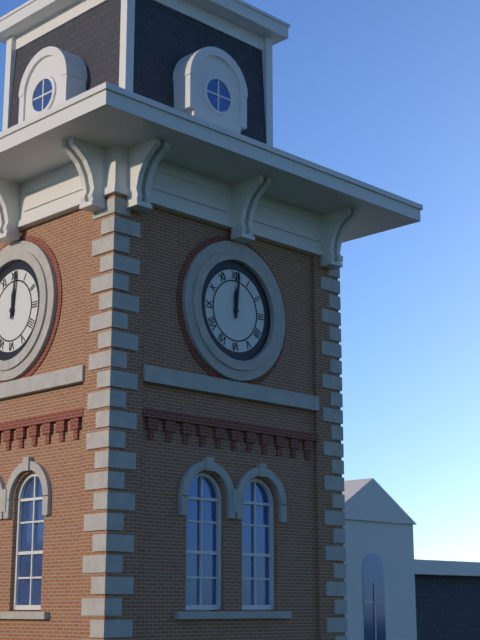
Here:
12 h 01 min
